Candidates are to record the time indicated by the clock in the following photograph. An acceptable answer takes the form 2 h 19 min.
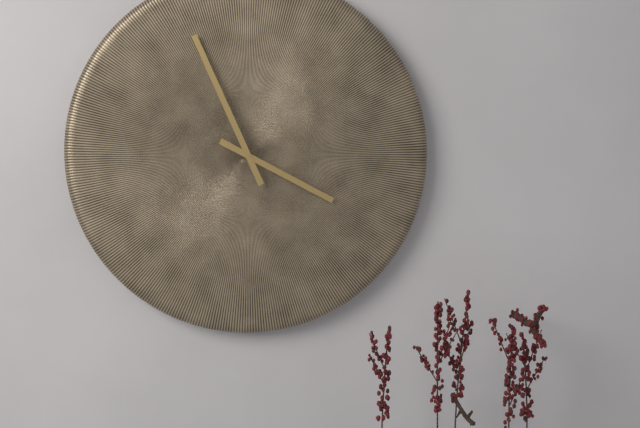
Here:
3 h 56 min
